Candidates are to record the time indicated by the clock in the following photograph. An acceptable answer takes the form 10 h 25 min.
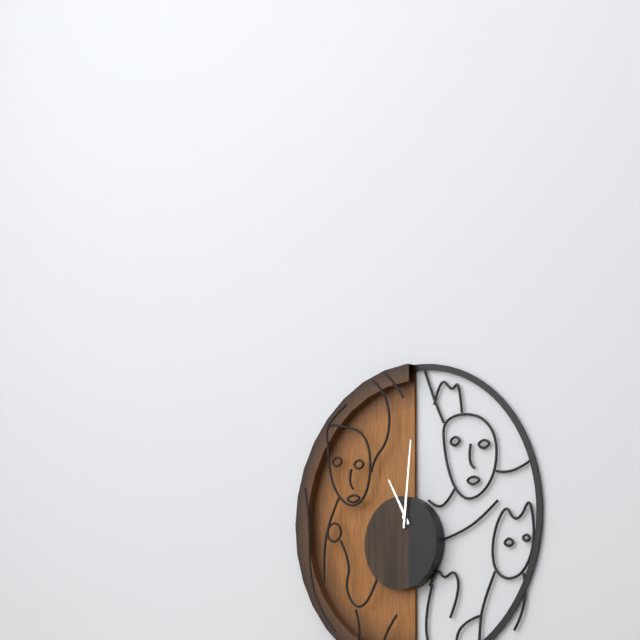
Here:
11 h 01 min
